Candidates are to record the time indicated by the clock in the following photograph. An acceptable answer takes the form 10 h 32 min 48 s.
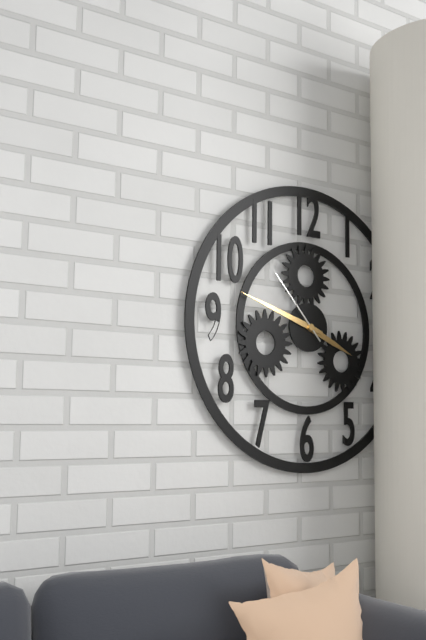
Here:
3 h 48 min 53 s
